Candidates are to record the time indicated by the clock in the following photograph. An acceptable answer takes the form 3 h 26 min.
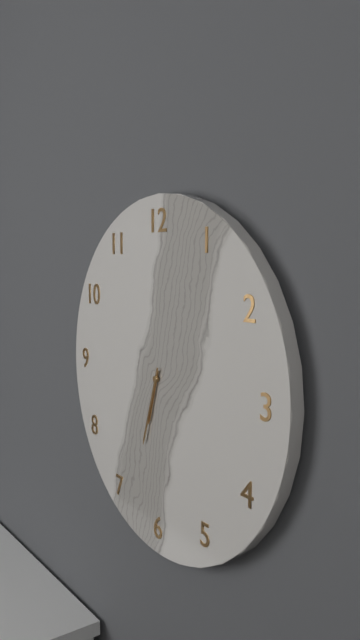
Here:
6 h 33 min
